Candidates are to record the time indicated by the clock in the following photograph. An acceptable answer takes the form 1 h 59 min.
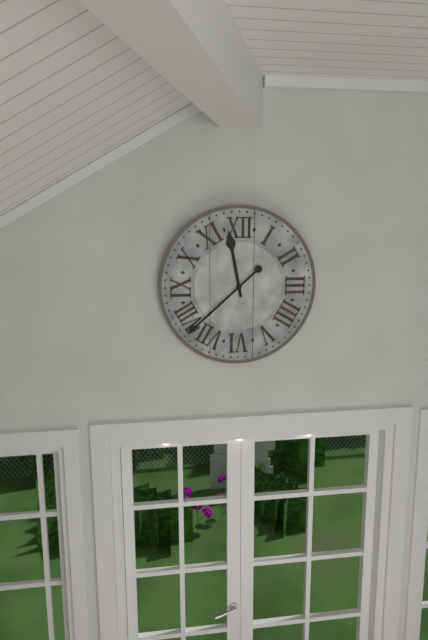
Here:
11 h 38 min
